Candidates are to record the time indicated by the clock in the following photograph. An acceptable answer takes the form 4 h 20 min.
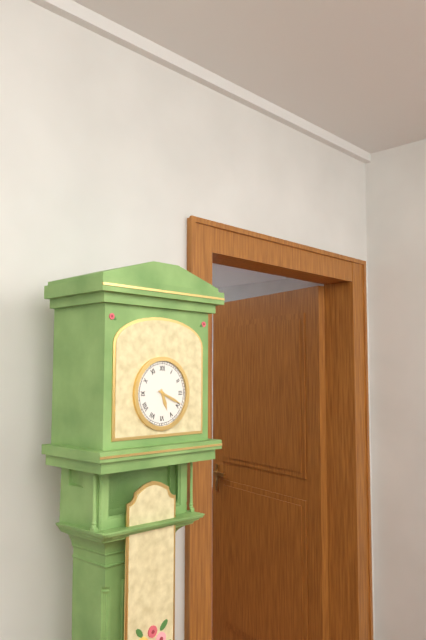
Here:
5 h 19 min
